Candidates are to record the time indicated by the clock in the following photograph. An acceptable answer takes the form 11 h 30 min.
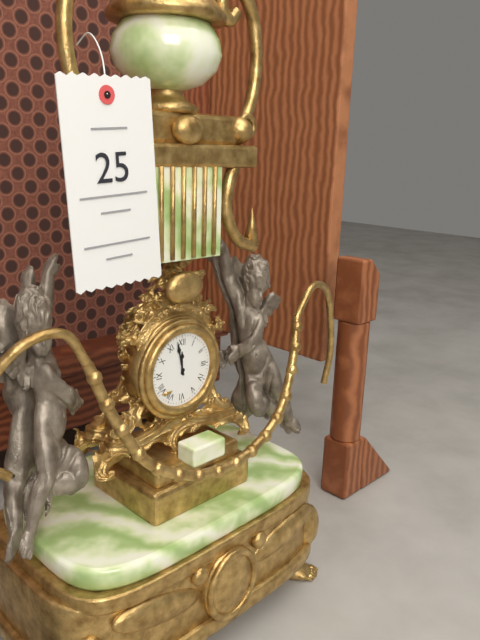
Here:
11 h 58 min
